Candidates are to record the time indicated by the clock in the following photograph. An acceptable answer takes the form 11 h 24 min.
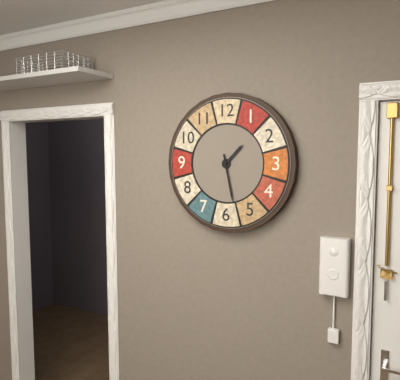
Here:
1 h 28 min
